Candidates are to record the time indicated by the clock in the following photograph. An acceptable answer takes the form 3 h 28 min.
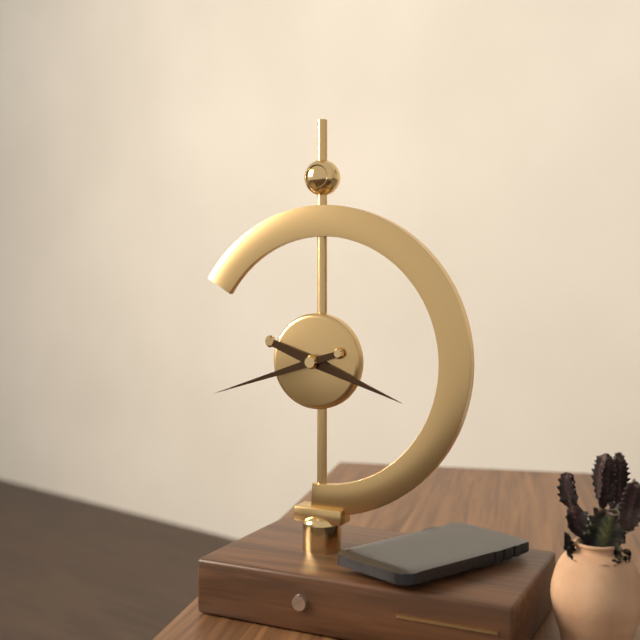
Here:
3 h 42 min
